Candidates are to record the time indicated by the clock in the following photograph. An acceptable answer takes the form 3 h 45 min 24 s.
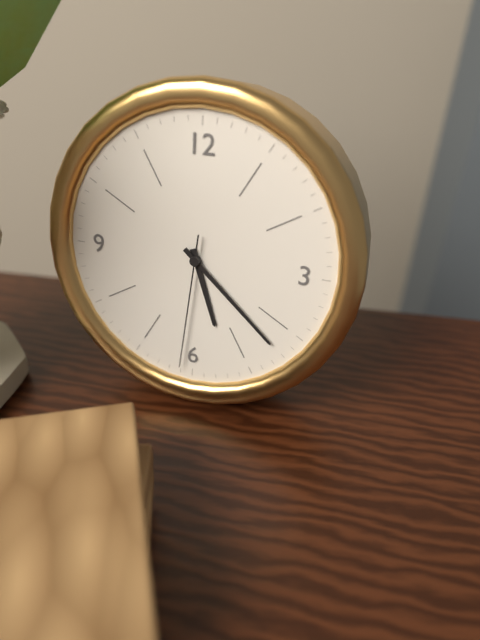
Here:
5 h 22 min 31 s
